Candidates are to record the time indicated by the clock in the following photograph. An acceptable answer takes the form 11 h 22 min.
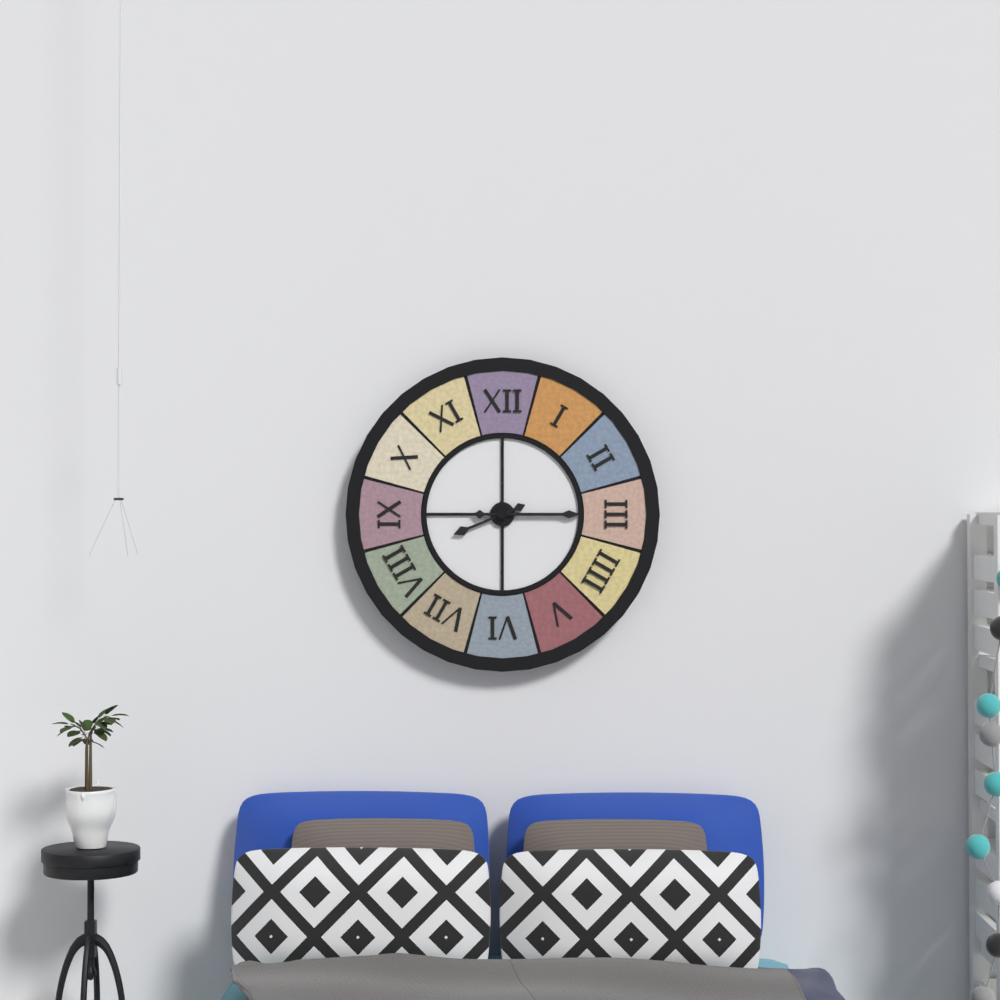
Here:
8 h 15 min
